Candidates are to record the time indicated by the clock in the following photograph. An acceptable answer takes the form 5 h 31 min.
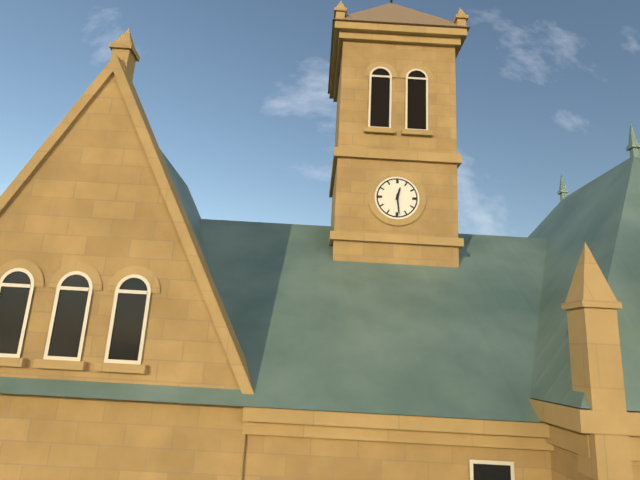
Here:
12 h 29 min
